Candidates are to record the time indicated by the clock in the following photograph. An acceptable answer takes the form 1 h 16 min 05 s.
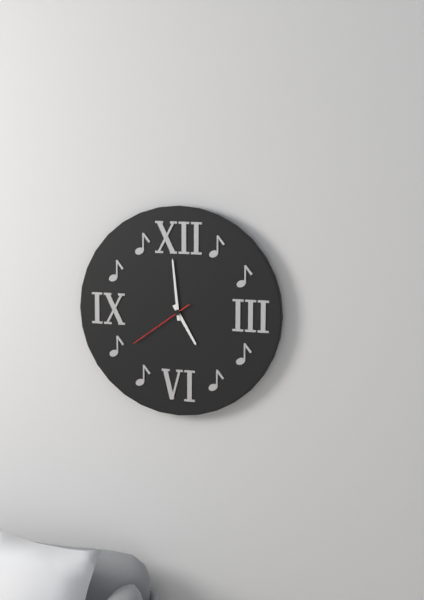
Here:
4 h 59 min 39 s
